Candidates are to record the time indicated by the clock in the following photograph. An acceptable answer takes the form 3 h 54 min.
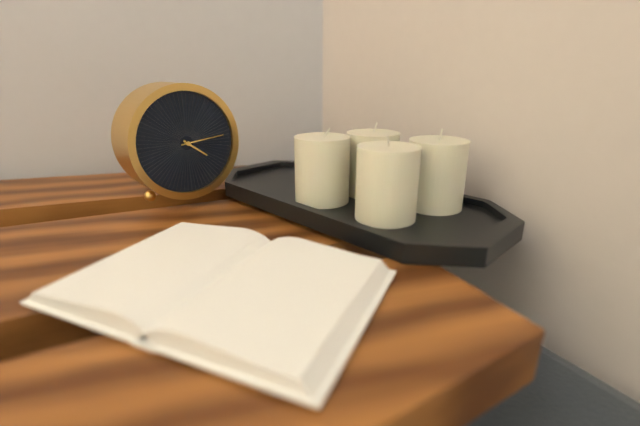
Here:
4 h 14 min
